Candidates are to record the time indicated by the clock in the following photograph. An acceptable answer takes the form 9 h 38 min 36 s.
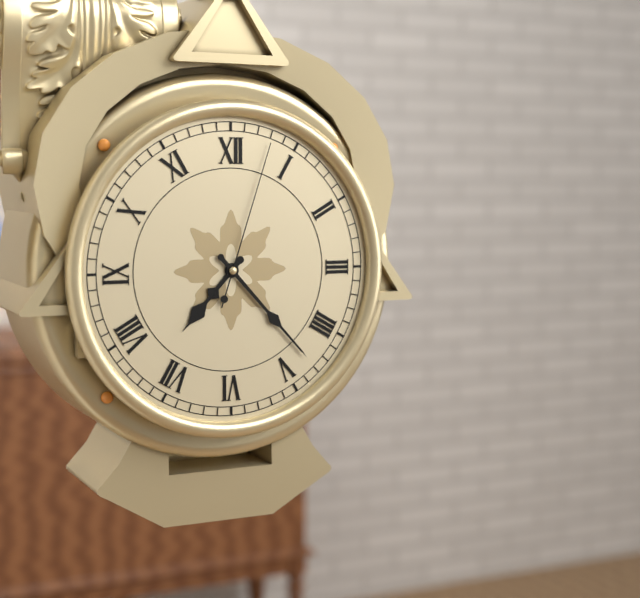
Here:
7 h 23 min 03 s
